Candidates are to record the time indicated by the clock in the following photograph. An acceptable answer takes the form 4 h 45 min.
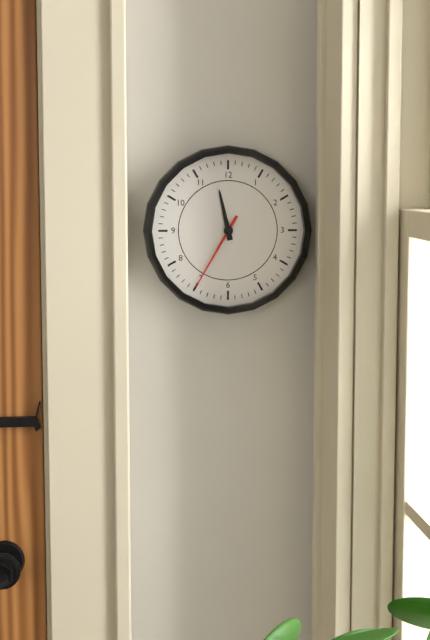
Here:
11 h 35 min
